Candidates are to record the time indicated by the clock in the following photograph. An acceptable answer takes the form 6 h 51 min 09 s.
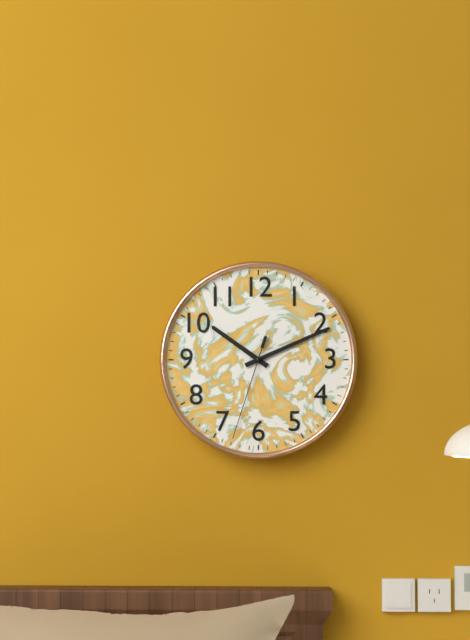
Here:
10 h 11 min 33 s
